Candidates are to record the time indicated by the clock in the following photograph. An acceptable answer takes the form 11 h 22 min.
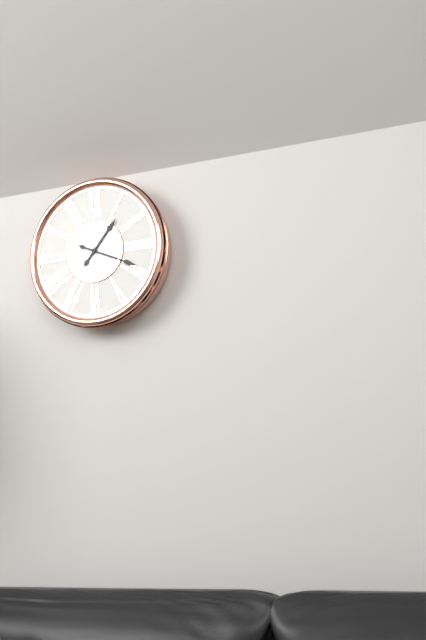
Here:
1 h 19 min
